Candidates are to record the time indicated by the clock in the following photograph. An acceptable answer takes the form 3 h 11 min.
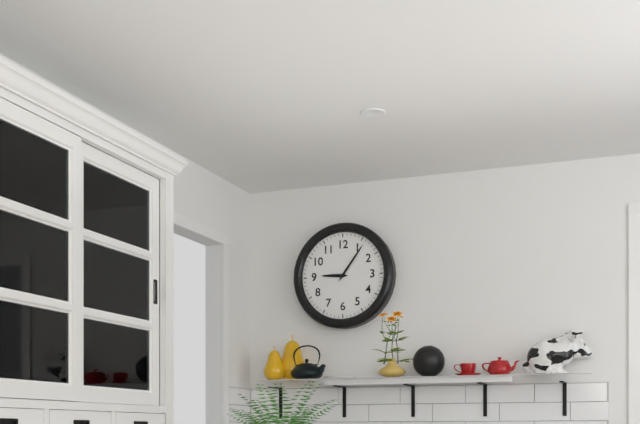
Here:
9 h 06 min
